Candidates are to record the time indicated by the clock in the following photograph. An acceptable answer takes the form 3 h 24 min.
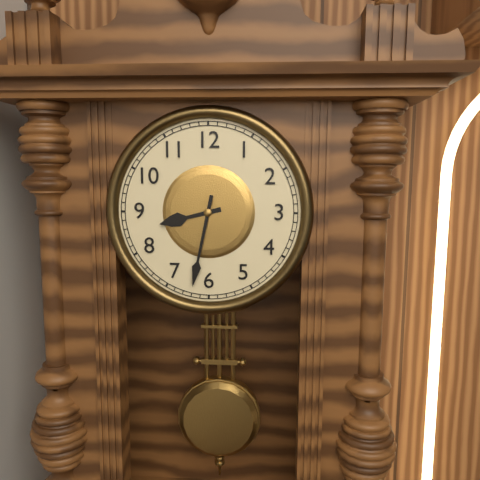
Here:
8 h 32 min
